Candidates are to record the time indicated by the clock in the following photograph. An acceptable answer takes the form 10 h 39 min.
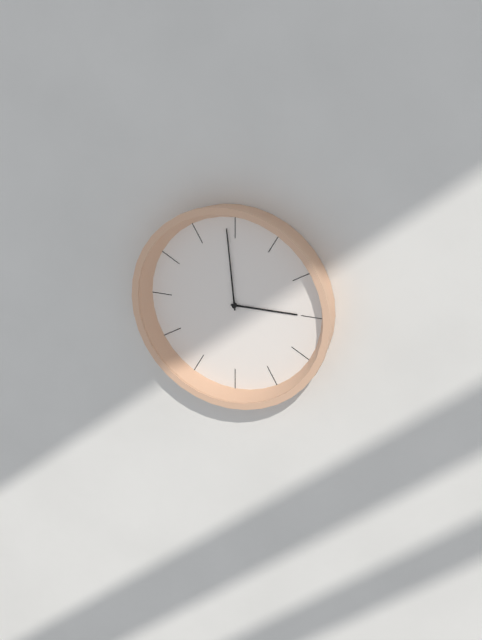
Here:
2 h 59 min
